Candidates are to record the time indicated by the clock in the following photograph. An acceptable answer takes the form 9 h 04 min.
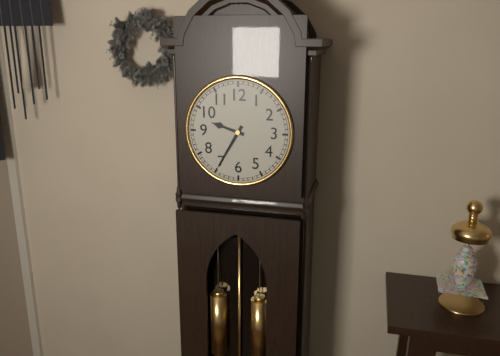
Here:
9 h 35 min
